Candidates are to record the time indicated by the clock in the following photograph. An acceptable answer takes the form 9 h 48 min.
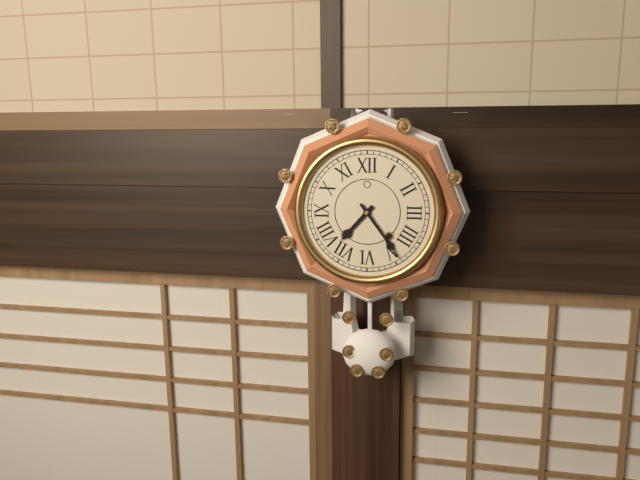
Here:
7 h 24 min
